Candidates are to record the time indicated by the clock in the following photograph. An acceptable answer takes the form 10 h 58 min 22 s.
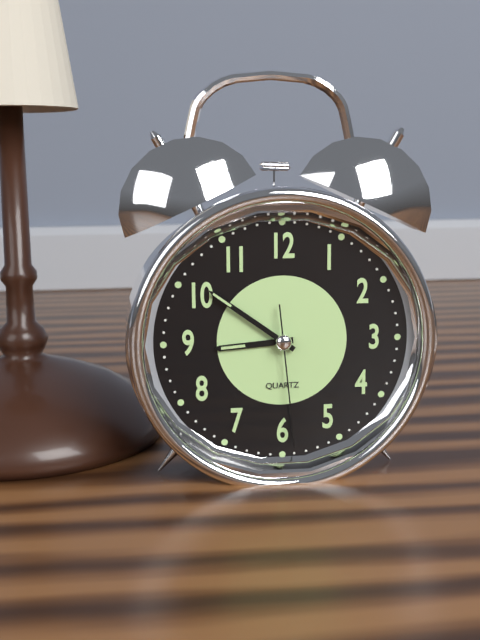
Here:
8 h 51 min 29 s
